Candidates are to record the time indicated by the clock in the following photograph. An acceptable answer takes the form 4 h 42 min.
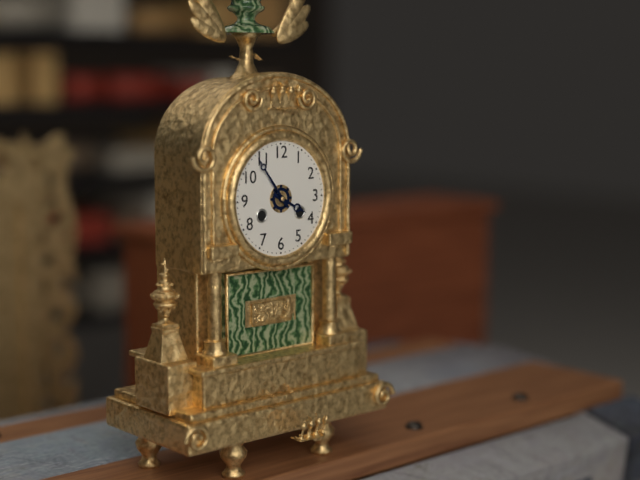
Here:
3 h 54 min
